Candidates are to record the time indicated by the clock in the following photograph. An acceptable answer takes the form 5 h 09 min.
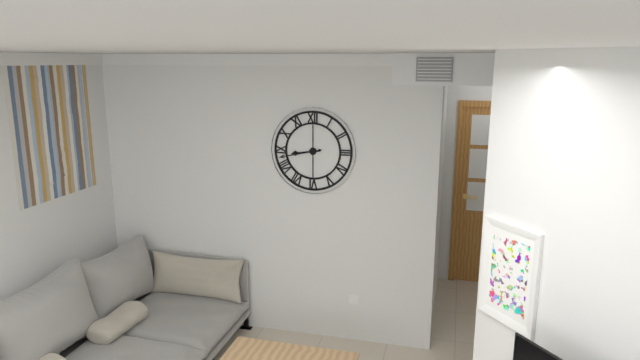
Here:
8 h 43 min
